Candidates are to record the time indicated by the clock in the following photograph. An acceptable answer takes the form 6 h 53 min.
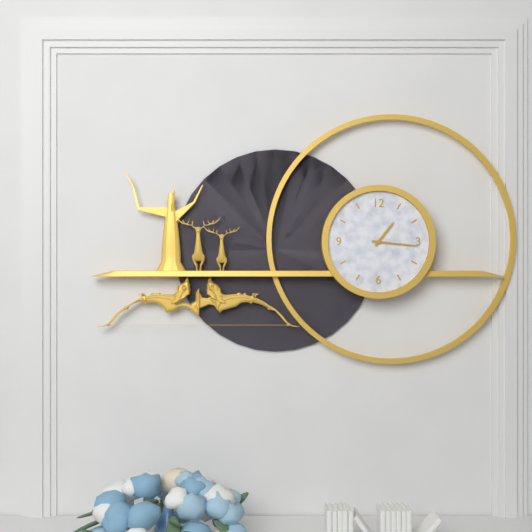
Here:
1 h 16 min
